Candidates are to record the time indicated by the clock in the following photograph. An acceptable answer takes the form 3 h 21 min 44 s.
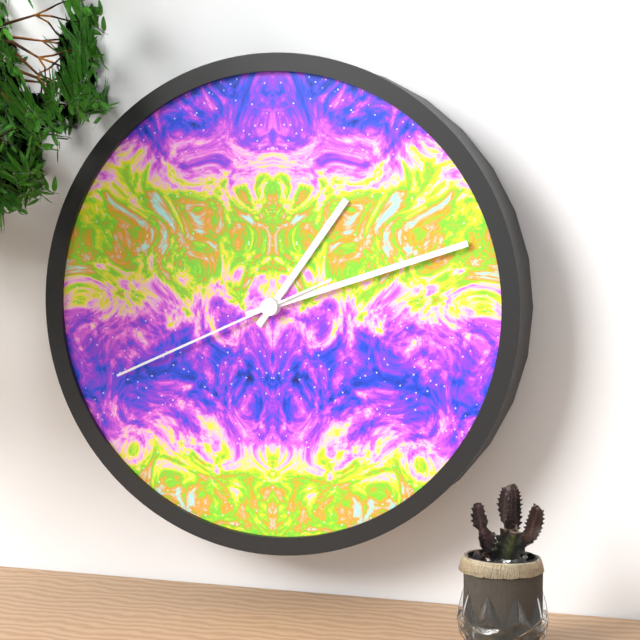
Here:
1 h 12 min 41 s
